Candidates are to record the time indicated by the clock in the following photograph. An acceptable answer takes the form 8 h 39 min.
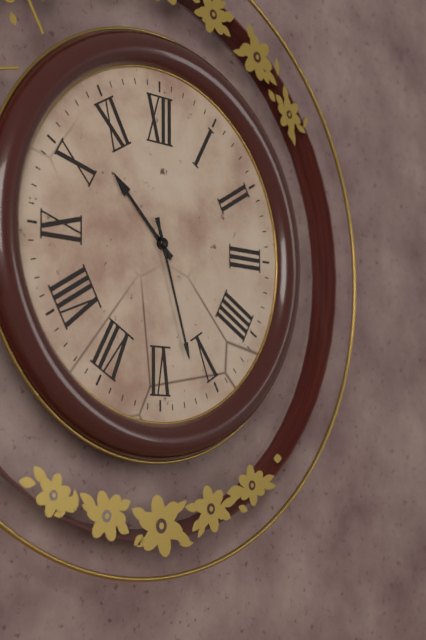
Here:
10 h 27 min
